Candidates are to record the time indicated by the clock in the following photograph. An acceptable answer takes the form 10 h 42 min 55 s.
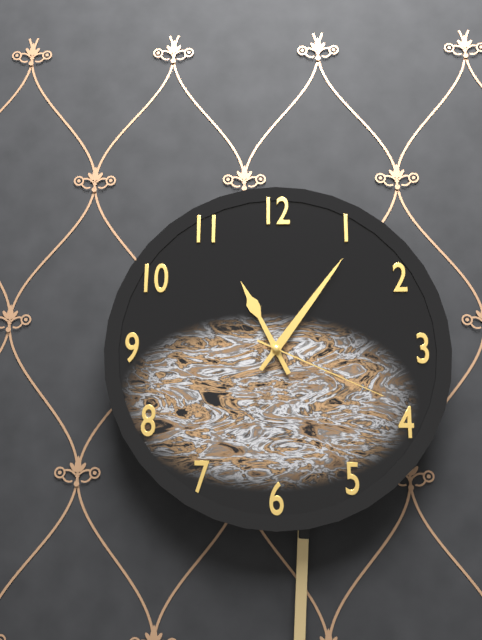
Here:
11 h 06 min 19 s
